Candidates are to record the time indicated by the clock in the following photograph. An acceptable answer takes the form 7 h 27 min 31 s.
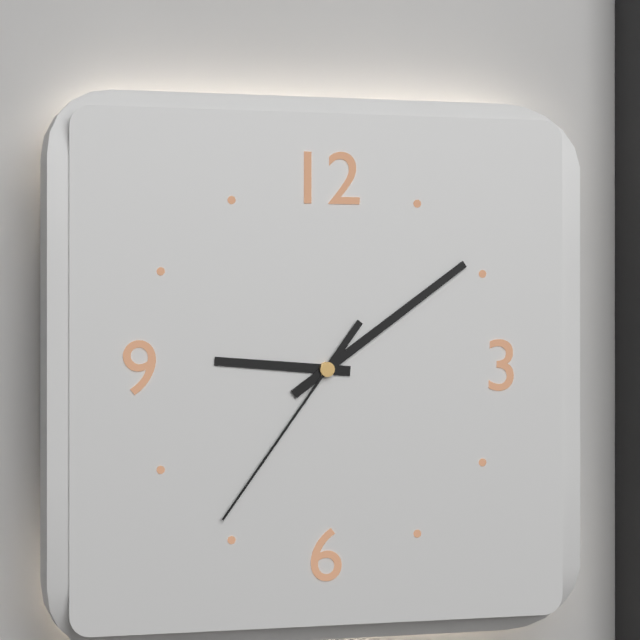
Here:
9 h 09 min 36 s
